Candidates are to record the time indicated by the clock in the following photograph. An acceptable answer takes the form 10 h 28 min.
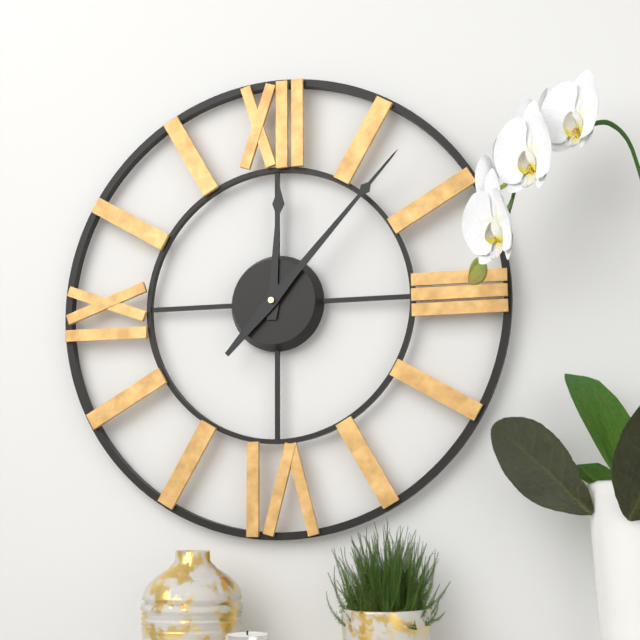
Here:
12 h 07 min
